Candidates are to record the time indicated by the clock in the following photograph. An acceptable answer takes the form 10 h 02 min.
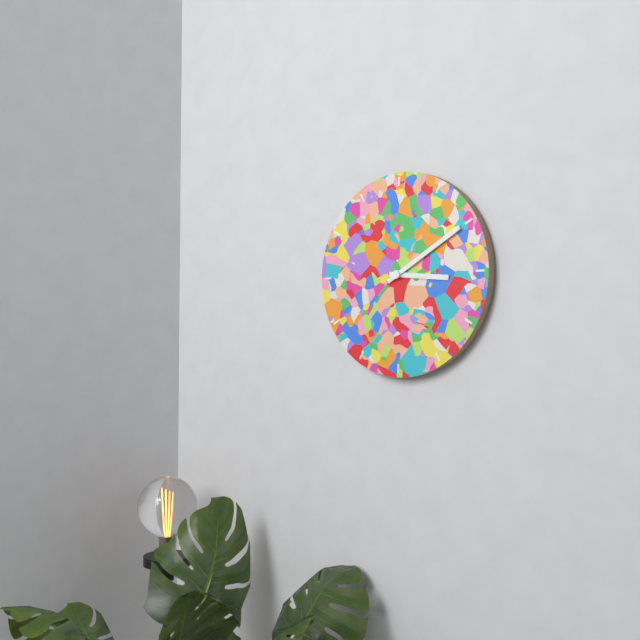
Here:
3 h 10 min
